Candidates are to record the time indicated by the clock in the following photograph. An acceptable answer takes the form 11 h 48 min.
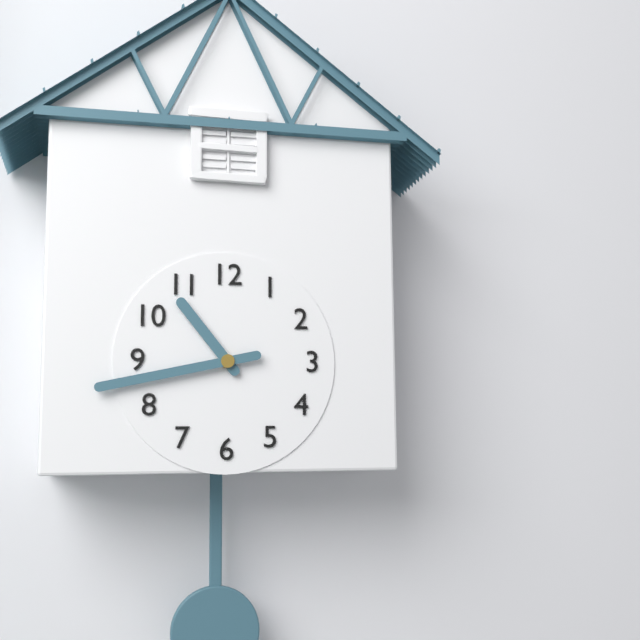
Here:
10 h 43 min
